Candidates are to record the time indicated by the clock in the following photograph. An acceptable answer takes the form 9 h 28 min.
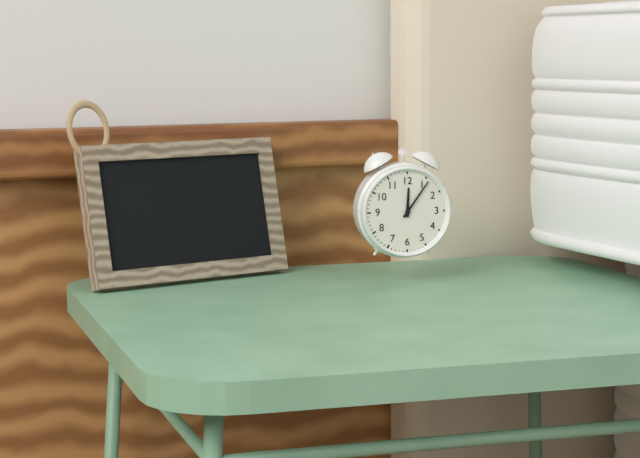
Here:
12 h 06 min
